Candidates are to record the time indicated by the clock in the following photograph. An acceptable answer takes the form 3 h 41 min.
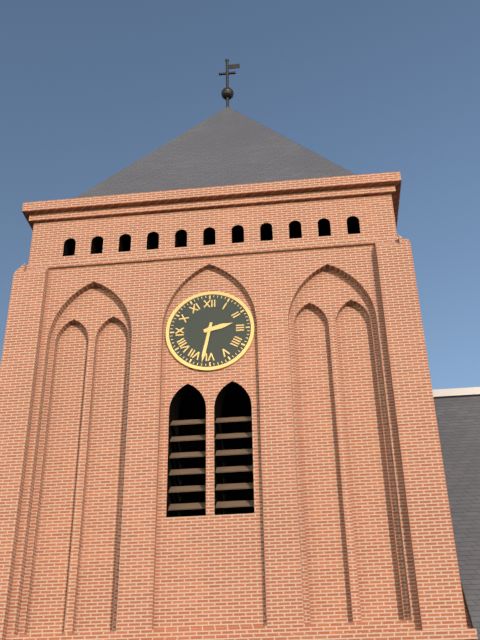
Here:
2 h 32 min
